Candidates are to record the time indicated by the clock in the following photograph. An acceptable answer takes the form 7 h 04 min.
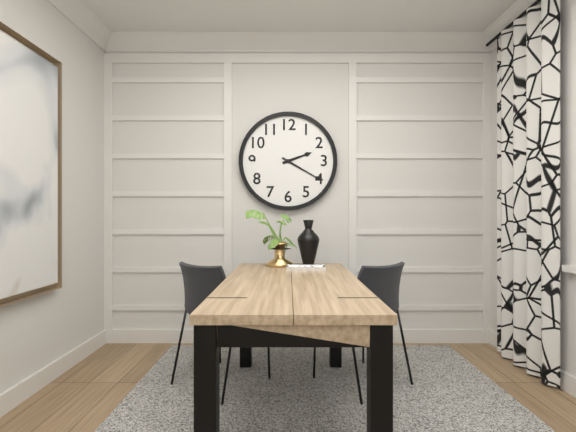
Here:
2 h 20 min
